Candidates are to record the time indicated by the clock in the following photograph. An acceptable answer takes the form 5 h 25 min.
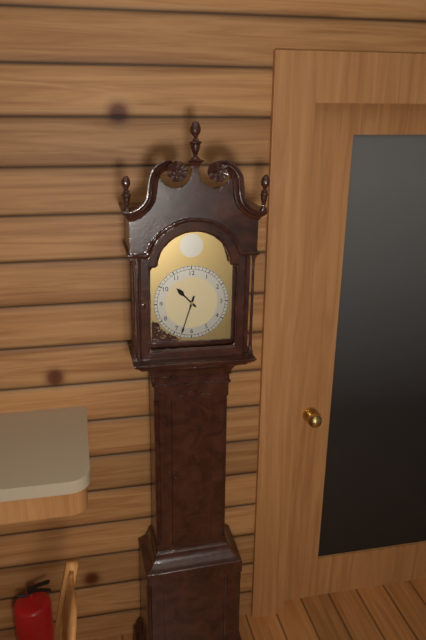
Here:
10 h 33 min
